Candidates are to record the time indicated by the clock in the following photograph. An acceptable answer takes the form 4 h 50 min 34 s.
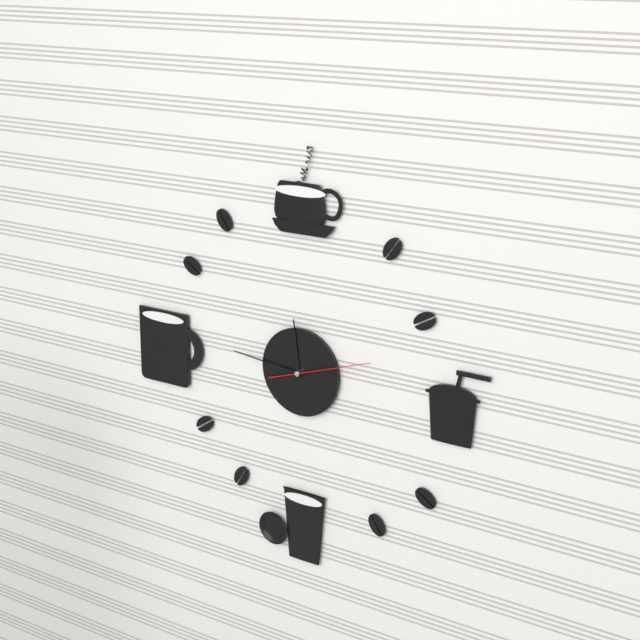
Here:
11 h 46 min 12 s
